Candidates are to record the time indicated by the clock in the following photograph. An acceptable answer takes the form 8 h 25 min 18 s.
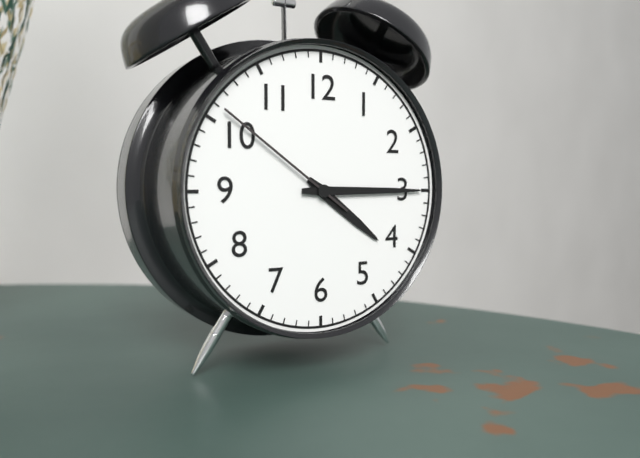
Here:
4 h 15 min 51 s
